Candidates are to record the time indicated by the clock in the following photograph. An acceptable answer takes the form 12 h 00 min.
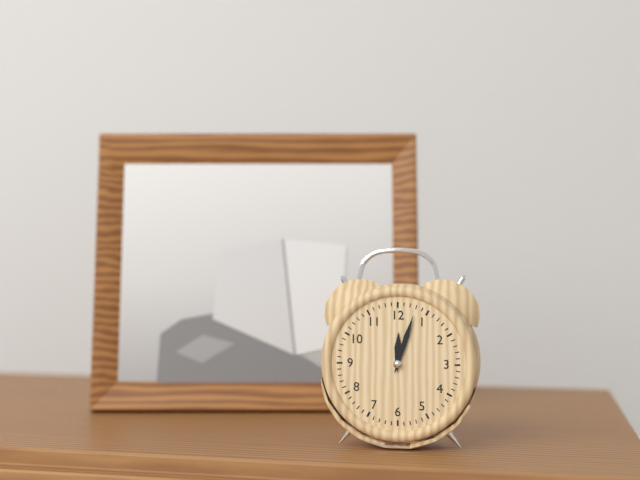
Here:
12 h 03 min
